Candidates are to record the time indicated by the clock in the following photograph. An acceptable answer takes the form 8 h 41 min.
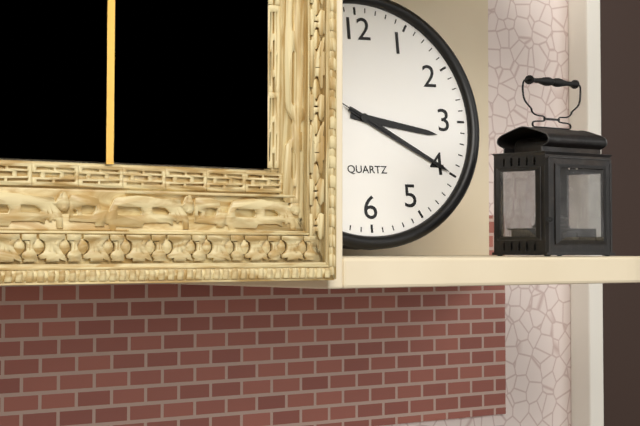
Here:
3 h 20 min
